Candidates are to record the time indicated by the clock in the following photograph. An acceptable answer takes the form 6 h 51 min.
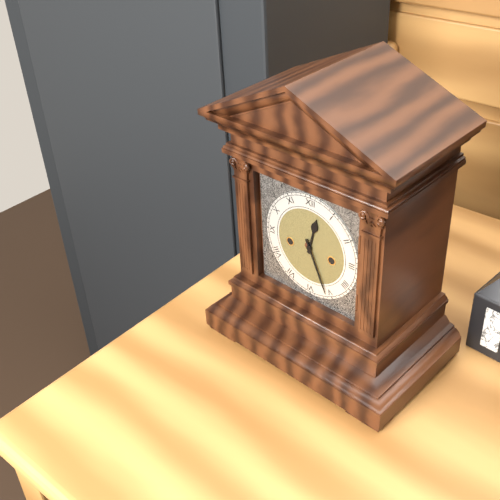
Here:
12 h 26 min
